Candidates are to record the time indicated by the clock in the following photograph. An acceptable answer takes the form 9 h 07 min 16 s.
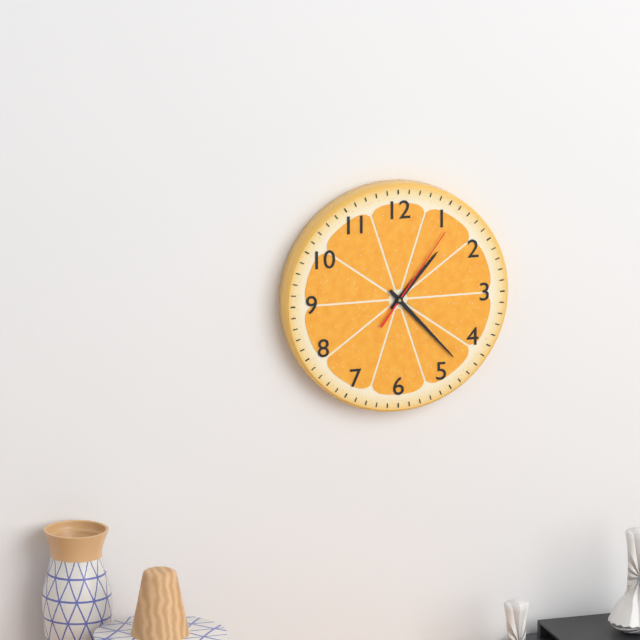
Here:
1 h 23 min 06 s
